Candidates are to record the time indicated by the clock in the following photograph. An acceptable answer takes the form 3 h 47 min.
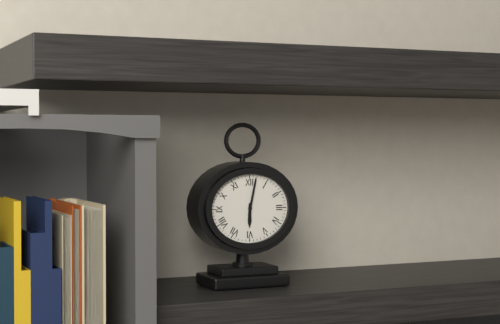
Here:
6 h 02 min
